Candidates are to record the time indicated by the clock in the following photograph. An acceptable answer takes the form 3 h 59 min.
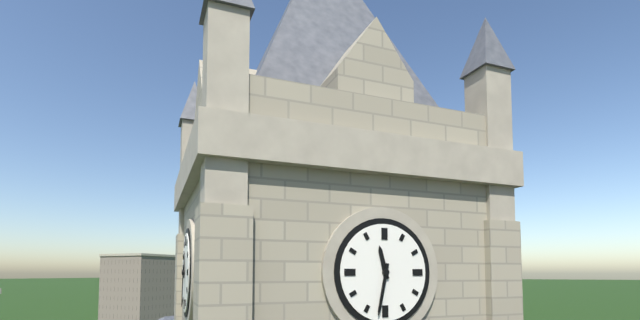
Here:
11 h 32 min
